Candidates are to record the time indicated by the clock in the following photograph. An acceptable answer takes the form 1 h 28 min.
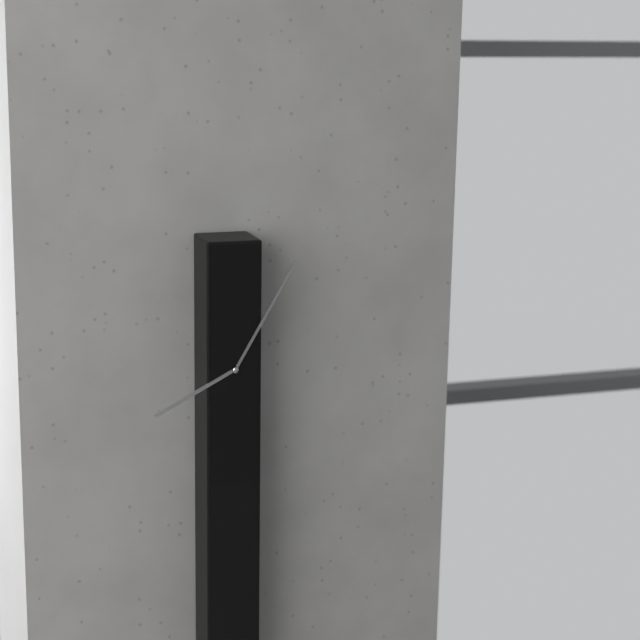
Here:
8 h 05 min
